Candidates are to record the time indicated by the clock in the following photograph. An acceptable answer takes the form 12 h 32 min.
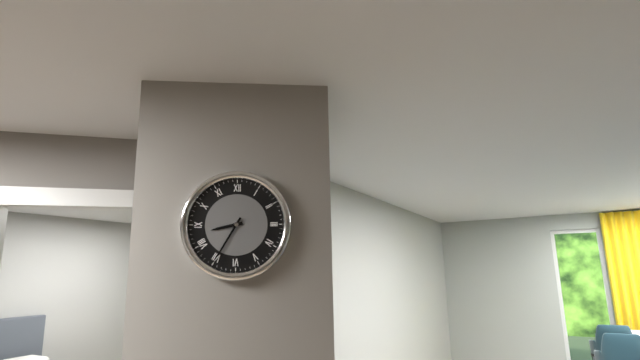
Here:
8 h 35 min
